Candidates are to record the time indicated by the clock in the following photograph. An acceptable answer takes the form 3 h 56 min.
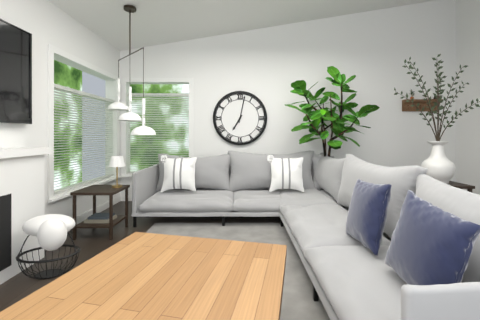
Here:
7 h 02 min
